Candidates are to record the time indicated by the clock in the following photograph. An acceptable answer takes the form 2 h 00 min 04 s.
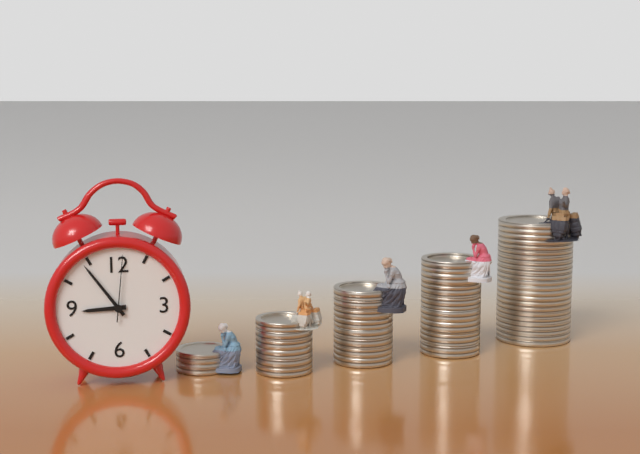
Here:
8 h 54 min 01 s
